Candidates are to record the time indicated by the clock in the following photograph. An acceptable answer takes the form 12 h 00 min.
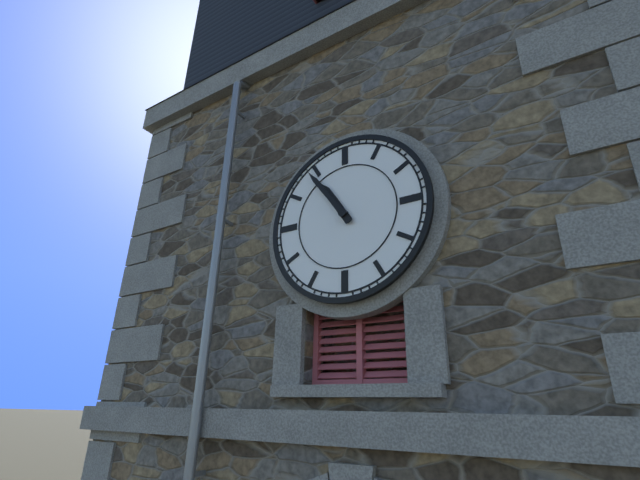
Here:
10 h 54 min
